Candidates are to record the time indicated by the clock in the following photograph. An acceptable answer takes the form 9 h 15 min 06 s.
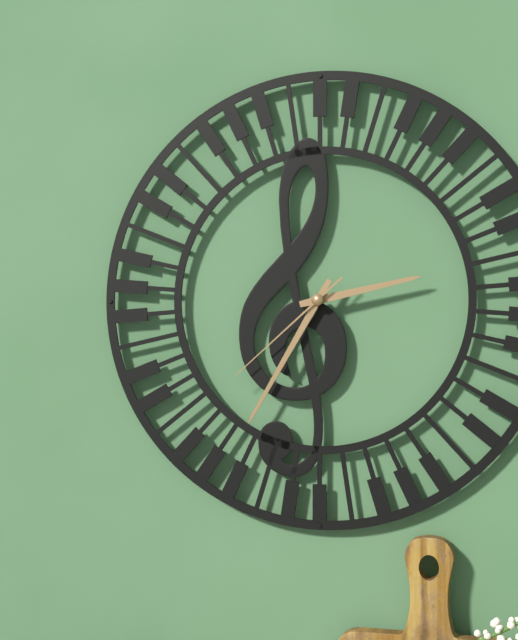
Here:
2 h 35 min 38 s
